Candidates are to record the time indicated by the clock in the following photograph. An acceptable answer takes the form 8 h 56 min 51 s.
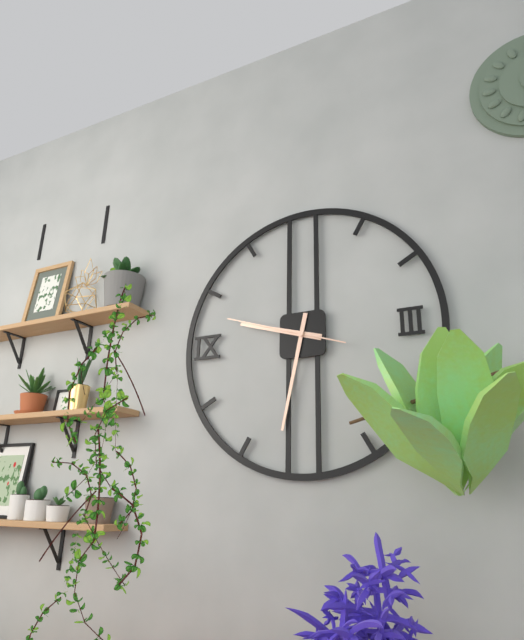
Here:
9 h 32 min 48 s
